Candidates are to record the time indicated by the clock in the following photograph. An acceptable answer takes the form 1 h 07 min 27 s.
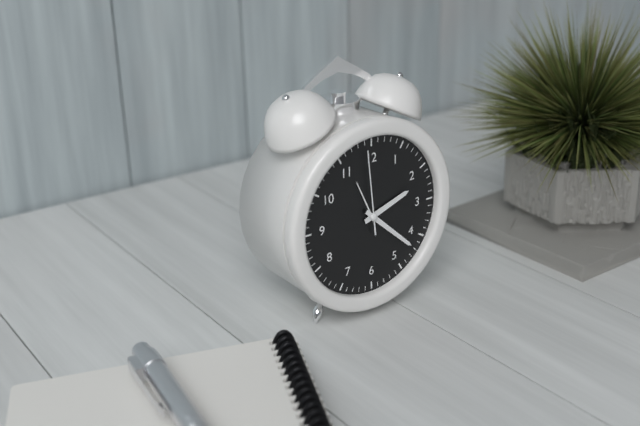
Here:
2 h 22 min 59 s
